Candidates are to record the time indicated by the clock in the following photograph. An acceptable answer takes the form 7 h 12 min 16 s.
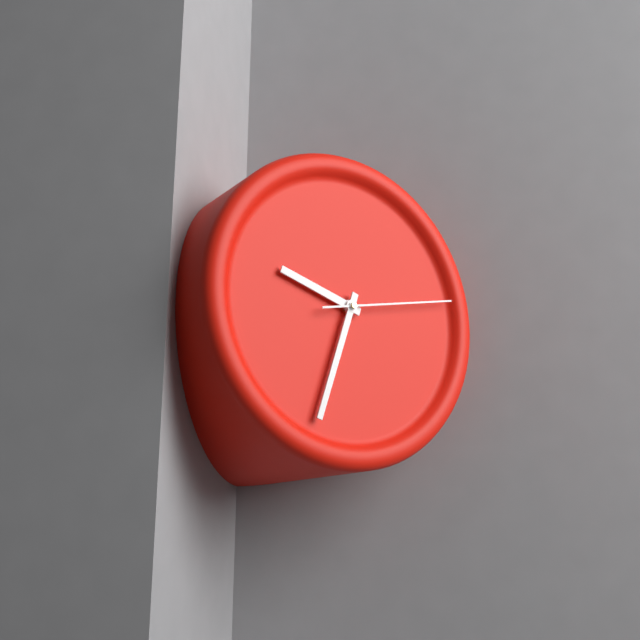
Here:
9 h 33 min 13 s
